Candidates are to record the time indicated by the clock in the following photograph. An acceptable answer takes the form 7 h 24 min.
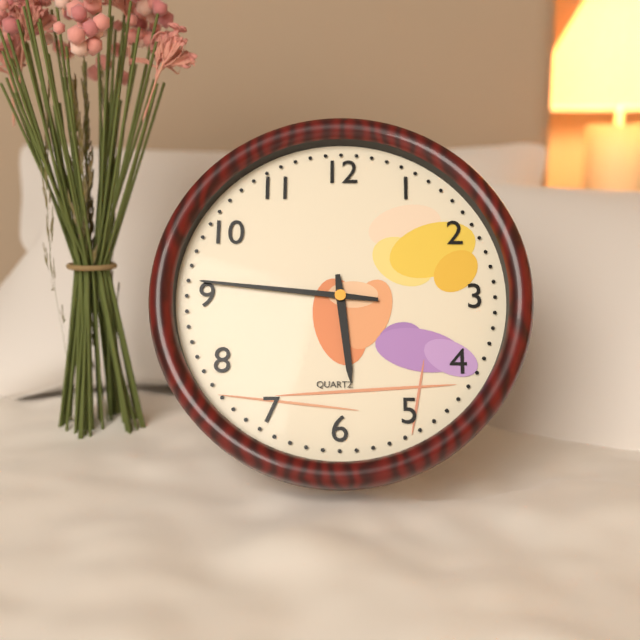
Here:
5 h 46 min
